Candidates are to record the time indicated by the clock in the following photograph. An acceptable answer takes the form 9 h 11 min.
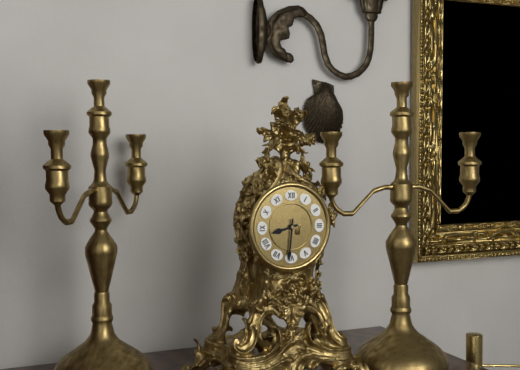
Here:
8 h 31 min
